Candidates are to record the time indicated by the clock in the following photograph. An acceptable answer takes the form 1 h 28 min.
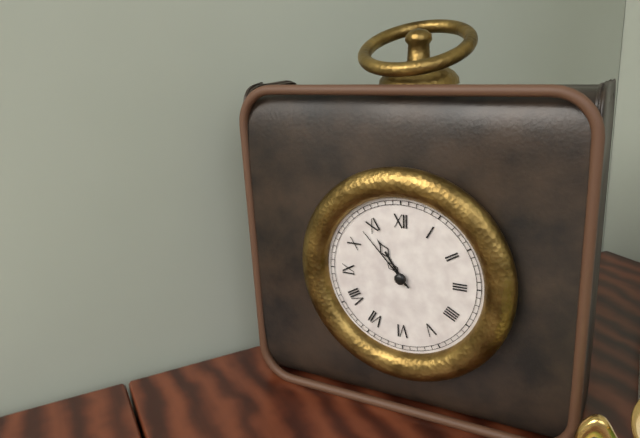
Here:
10 h 53 min
